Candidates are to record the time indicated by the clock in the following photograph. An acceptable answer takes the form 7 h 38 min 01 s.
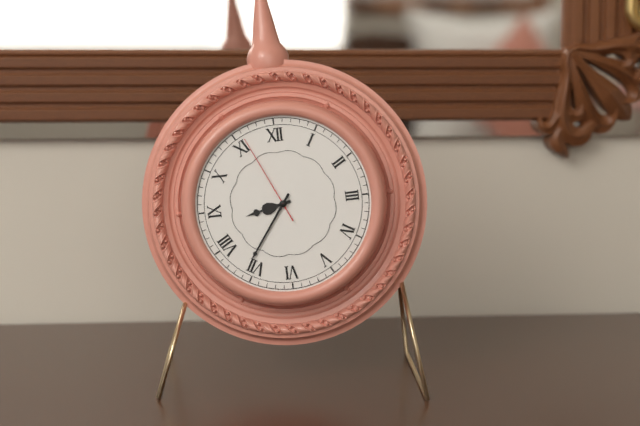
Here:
8 h 36 min 56 s
